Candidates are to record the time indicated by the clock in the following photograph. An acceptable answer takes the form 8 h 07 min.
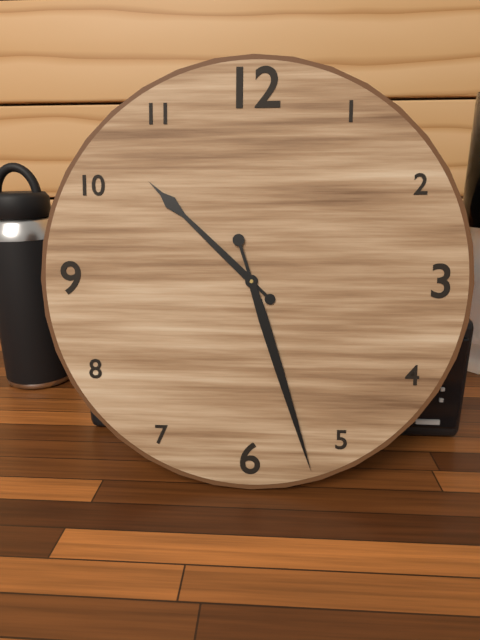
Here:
10 h 27 min
